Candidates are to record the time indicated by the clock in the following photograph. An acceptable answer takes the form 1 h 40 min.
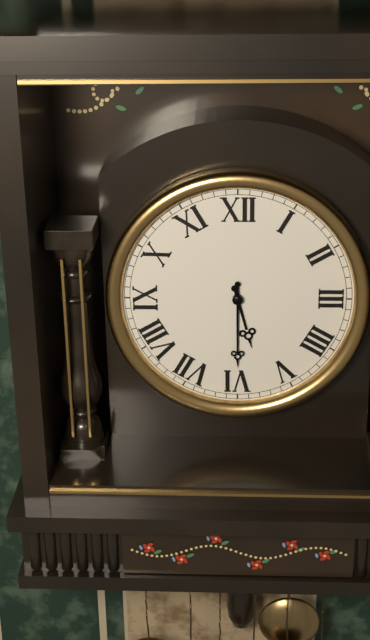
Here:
5 h 30 min
